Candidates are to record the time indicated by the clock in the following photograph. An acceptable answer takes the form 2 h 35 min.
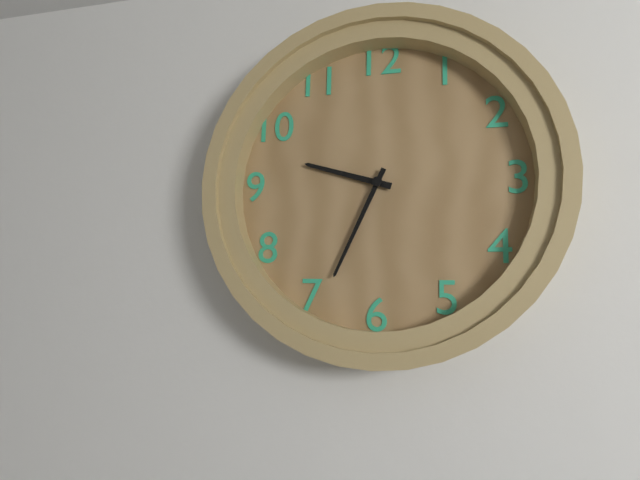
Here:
9 h 34 min
